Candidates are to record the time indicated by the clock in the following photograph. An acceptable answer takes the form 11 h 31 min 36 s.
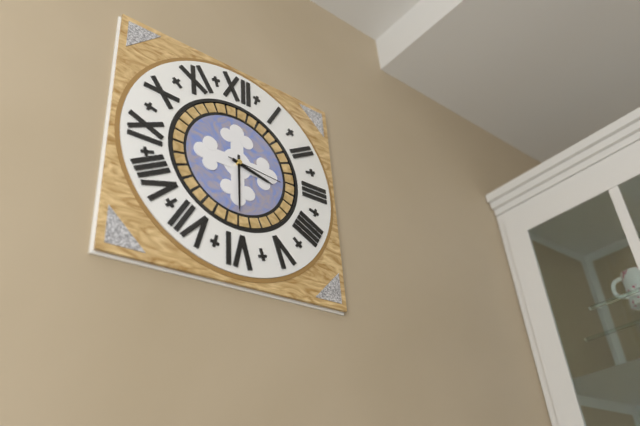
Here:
3 h 30 min 16 s
